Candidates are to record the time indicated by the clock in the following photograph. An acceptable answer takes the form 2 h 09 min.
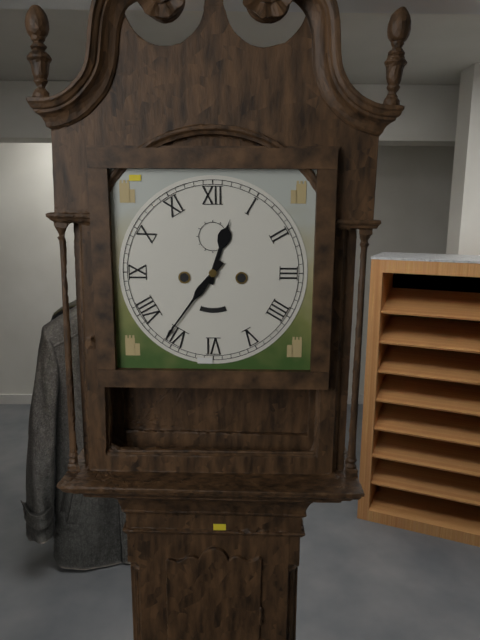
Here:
12 h 36 min
